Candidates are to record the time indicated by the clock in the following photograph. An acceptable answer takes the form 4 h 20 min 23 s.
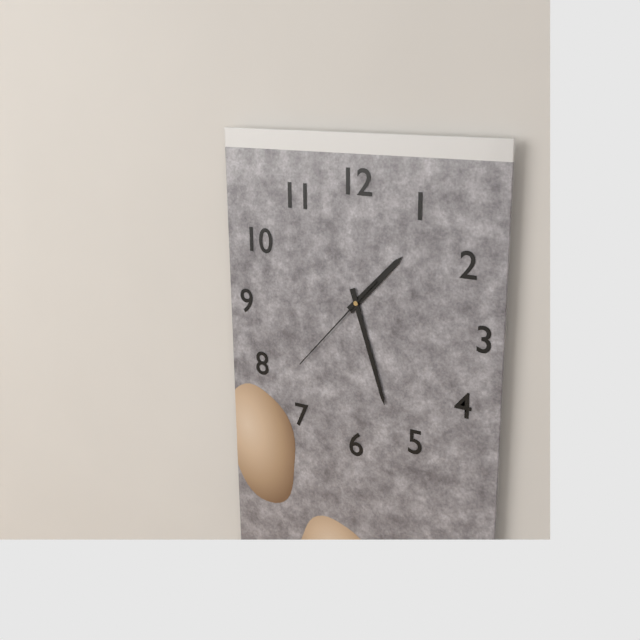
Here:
1 h 27 min 37 s
